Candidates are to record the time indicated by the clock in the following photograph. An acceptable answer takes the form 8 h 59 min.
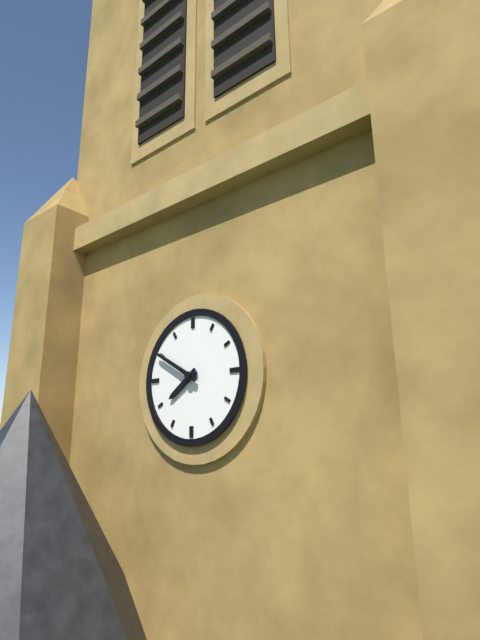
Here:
7 h 50 min
